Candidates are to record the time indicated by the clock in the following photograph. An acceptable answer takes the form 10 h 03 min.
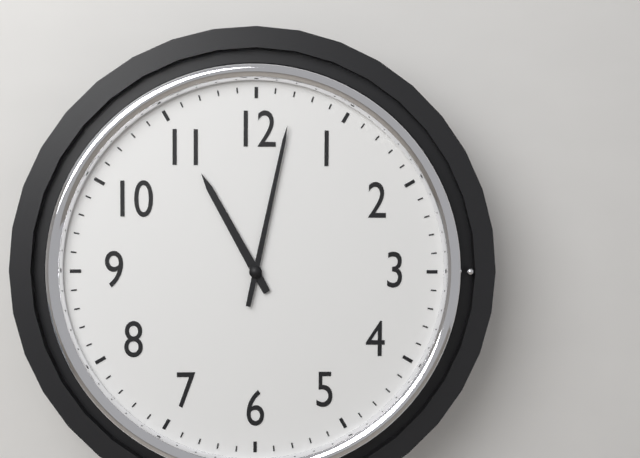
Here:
11 h 02 min
